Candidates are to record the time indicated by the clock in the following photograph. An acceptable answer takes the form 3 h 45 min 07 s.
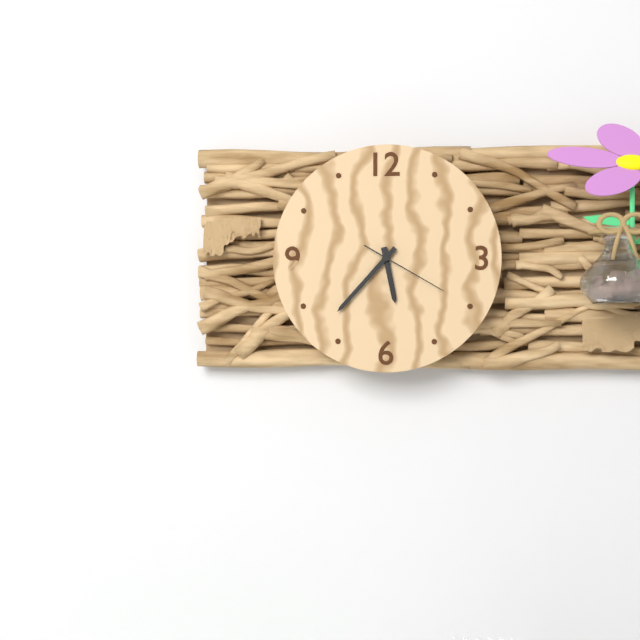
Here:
5 h 37 min 20 s
